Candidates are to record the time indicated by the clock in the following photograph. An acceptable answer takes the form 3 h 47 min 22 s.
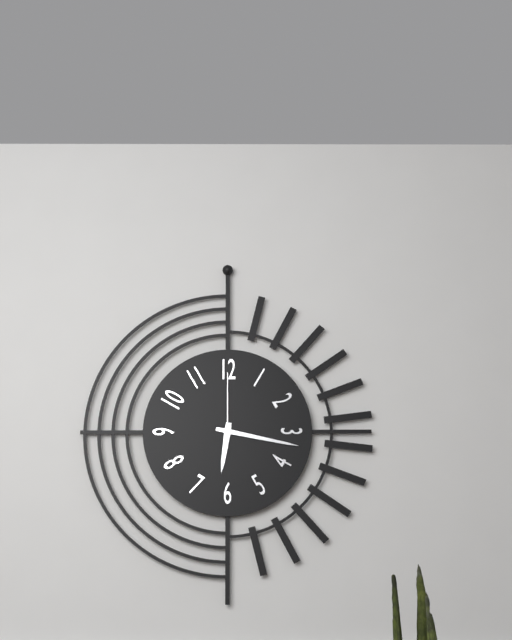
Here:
6 h 17 min 00 s
